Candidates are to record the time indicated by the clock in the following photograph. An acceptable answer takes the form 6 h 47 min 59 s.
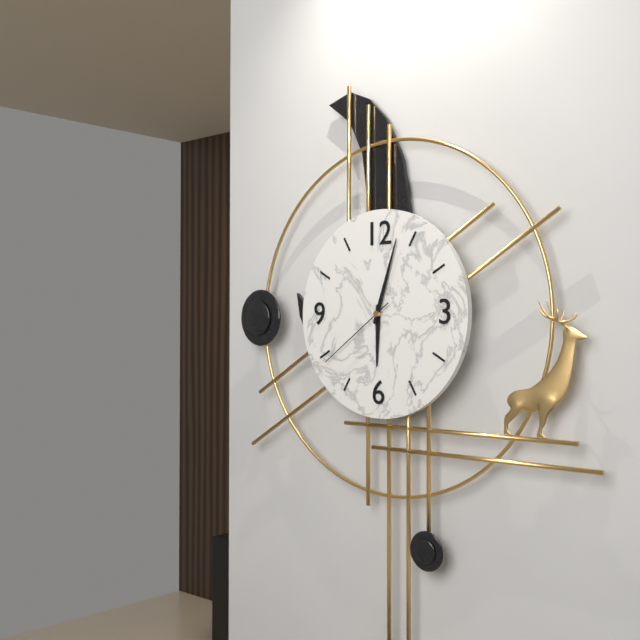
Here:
6 h 03 min 39 s
